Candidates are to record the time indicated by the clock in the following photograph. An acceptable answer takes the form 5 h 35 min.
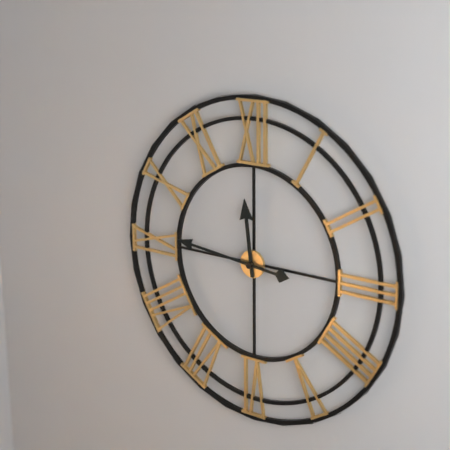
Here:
11 h 46 min
